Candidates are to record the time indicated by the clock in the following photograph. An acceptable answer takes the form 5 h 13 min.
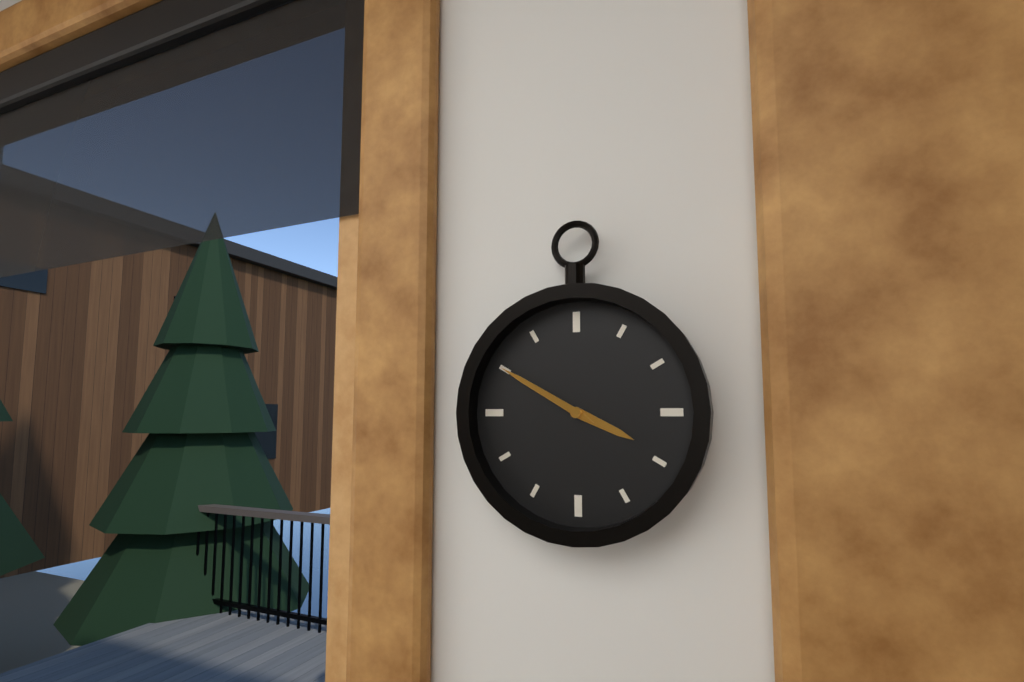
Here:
3 h 50 min
